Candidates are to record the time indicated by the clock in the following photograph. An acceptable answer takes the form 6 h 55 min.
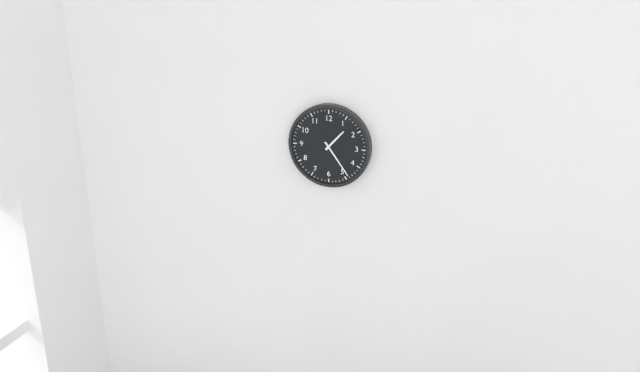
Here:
1 h 24 min
